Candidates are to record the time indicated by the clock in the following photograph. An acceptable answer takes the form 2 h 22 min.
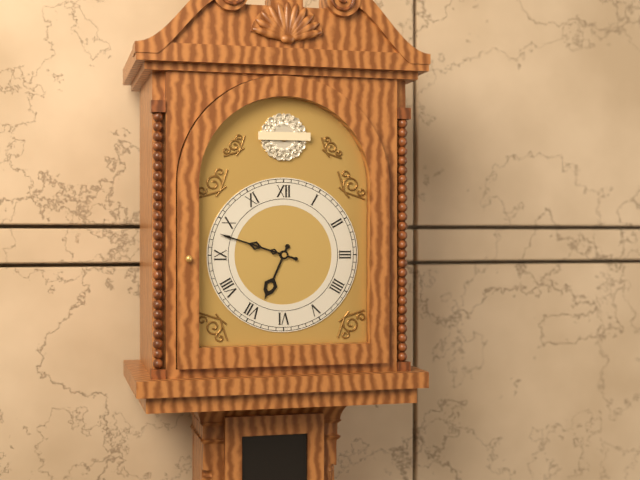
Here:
6 h 48 min
